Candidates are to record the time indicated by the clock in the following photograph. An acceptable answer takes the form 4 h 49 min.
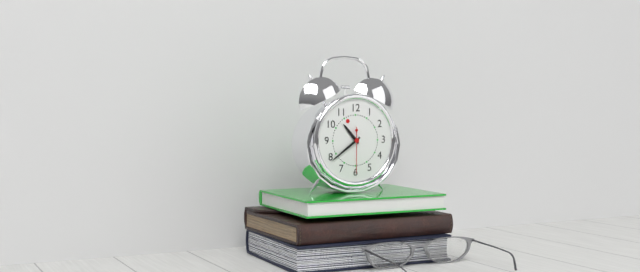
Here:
10 h 39 min
